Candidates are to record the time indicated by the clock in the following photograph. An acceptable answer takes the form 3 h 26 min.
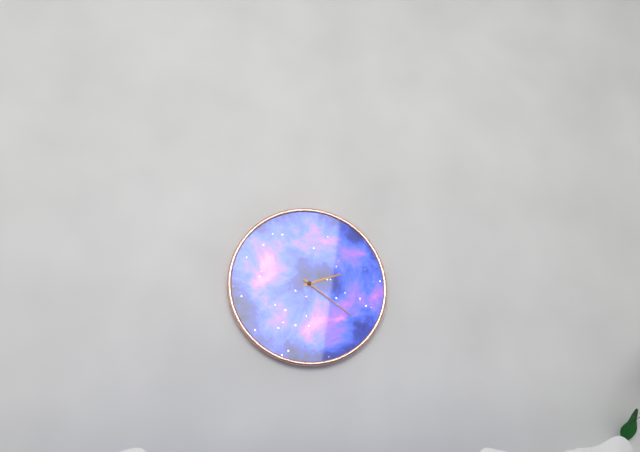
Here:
2 h 21 min
